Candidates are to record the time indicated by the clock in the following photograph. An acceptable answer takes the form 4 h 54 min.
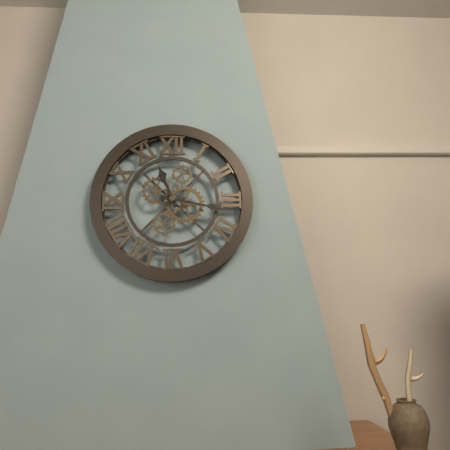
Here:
11 h 17 min
